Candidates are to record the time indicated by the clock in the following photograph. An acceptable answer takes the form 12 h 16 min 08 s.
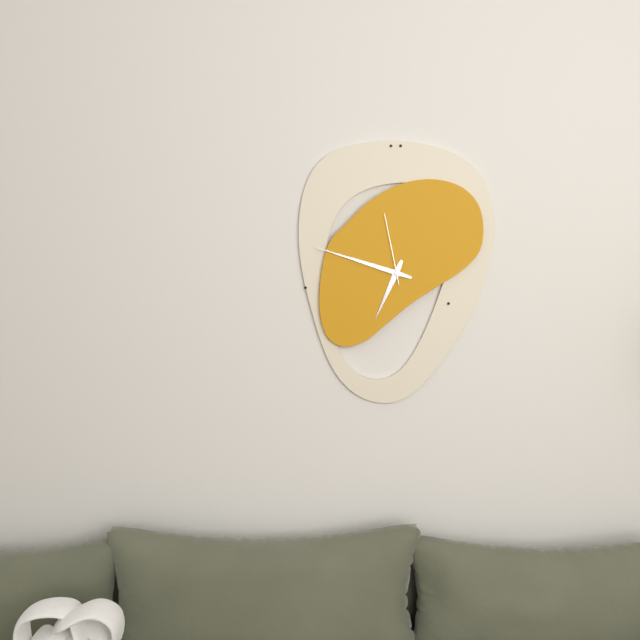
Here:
6 h 48 min 58 s
